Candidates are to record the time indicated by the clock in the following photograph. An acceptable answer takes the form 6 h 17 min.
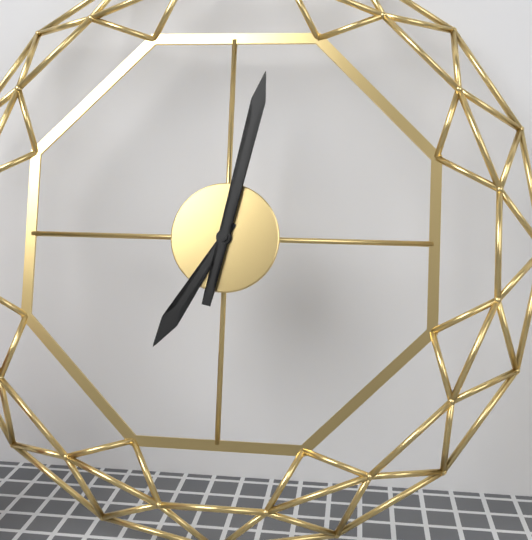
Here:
7 h 02 min
